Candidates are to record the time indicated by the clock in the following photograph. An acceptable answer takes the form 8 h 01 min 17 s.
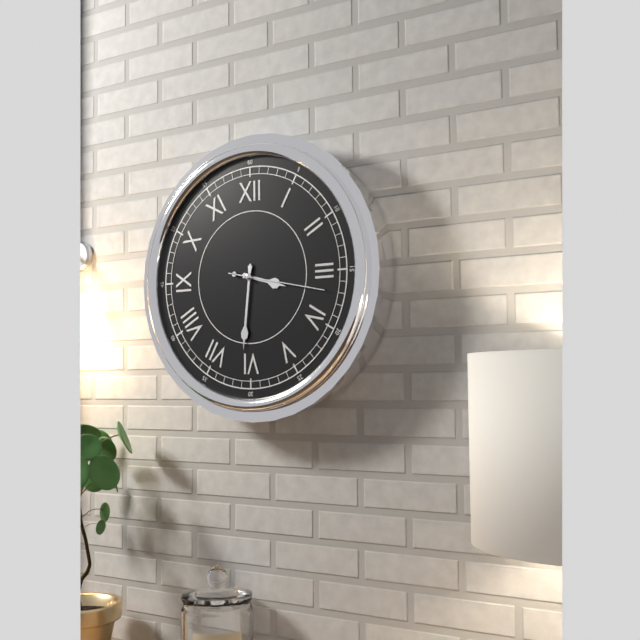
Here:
3 h 31 min 17 s
